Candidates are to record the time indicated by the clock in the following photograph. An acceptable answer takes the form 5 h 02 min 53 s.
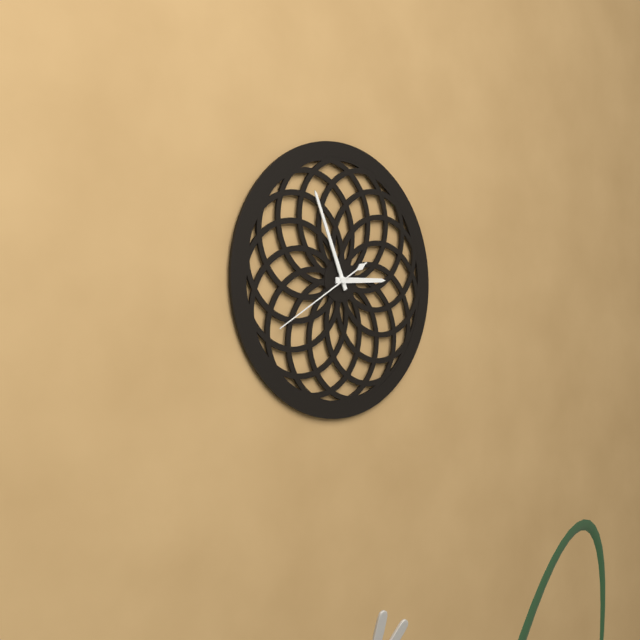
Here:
2 h 56 min 40 s
